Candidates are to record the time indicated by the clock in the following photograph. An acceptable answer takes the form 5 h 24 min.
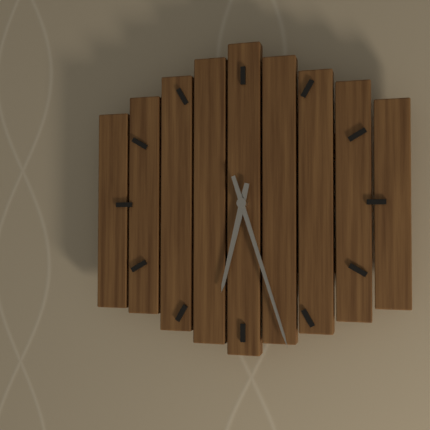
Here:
6 h 27 min
